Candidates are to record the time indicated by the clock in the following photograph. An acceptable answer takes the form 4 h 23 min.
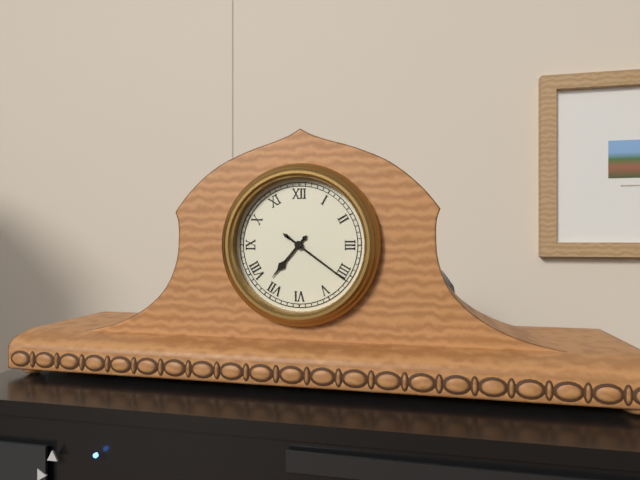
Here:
7 h 21 min
